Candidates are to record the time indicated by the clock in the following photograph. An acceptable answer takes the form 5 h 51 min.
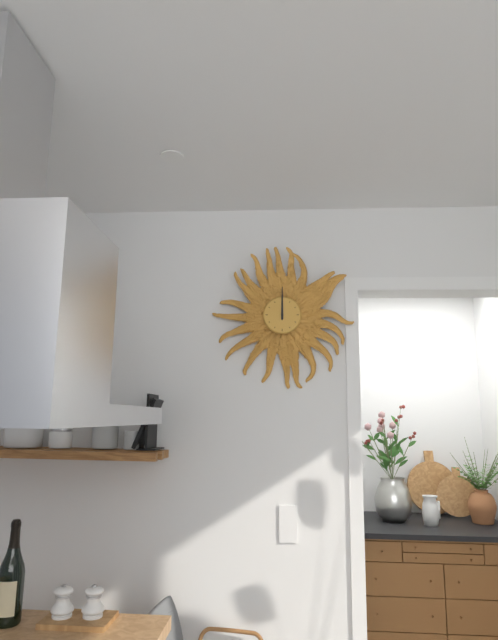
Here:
12 h 00 min
